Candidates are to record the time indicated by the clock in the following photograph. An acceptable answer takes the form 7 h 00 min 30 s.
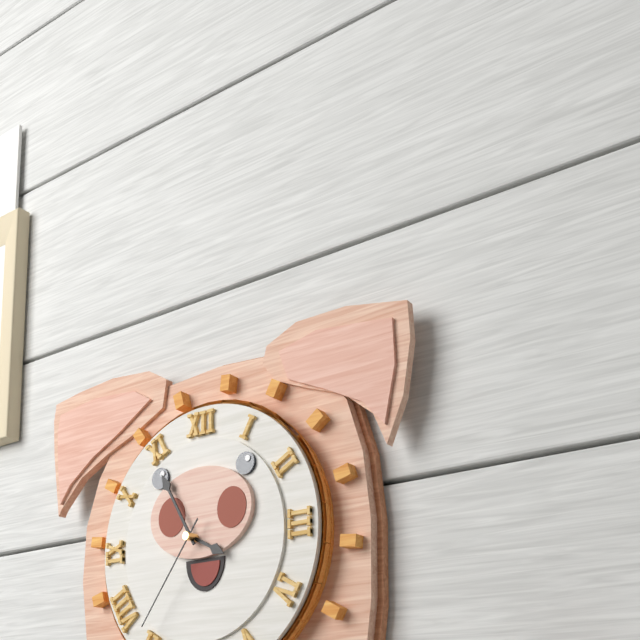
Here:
3 h 55 min 36 s
